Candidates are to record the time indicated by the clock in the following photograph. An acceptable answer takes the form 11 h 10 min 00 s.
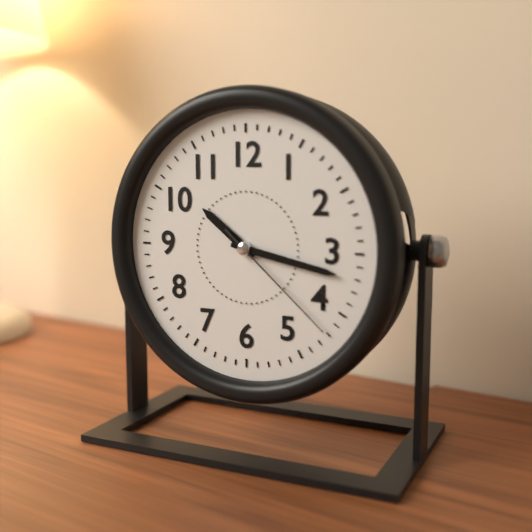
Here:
10 h 17 min 22 s
